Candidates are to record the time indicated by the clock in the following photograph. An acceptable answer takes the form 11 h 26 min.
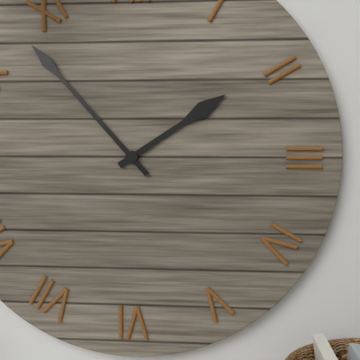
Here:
1 h 53 min
